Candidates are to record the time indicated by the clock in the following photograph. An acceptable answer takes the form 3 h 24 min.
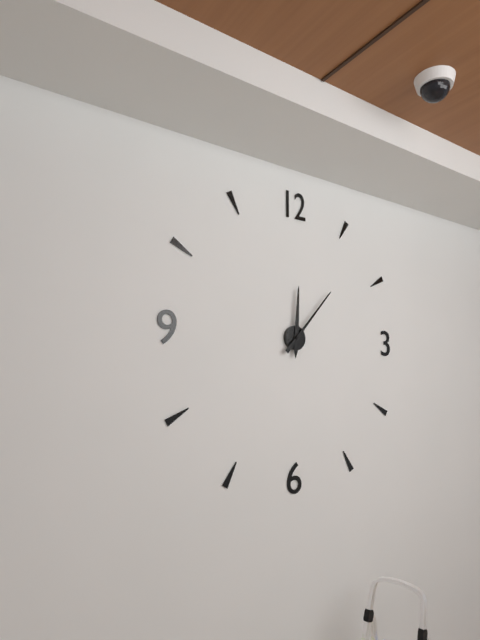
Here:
12 h 07 min
